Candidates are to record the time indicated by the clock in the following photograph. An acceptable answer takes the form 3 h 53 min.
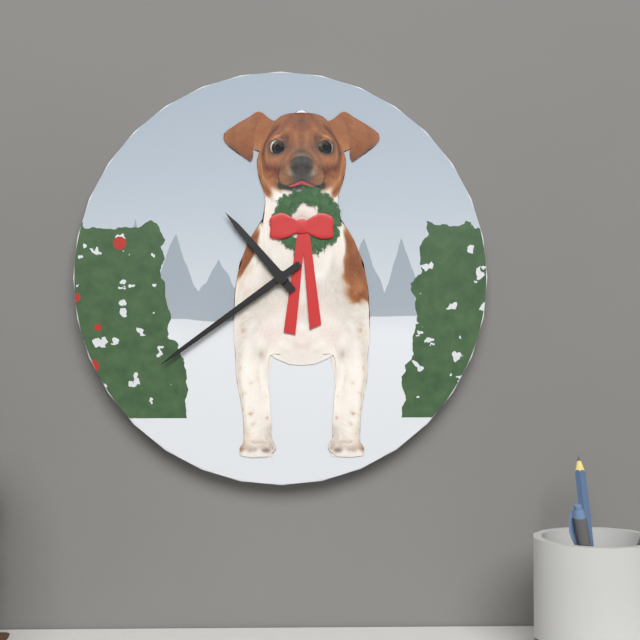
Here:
10 h 39 min
